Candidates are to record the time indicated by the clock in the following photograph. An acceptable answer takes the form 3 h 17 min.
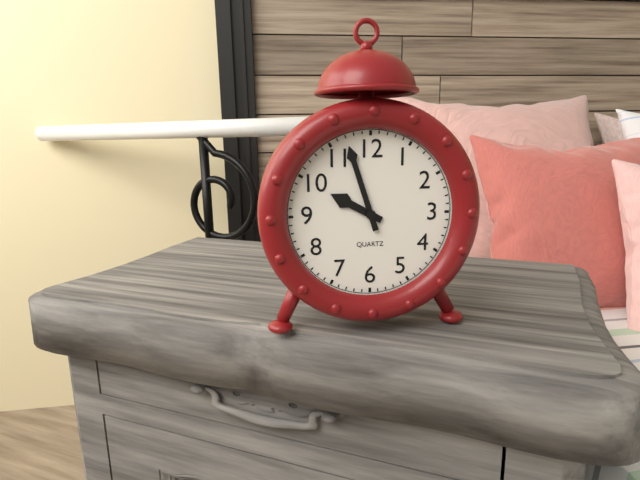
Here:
9 h 57 min
